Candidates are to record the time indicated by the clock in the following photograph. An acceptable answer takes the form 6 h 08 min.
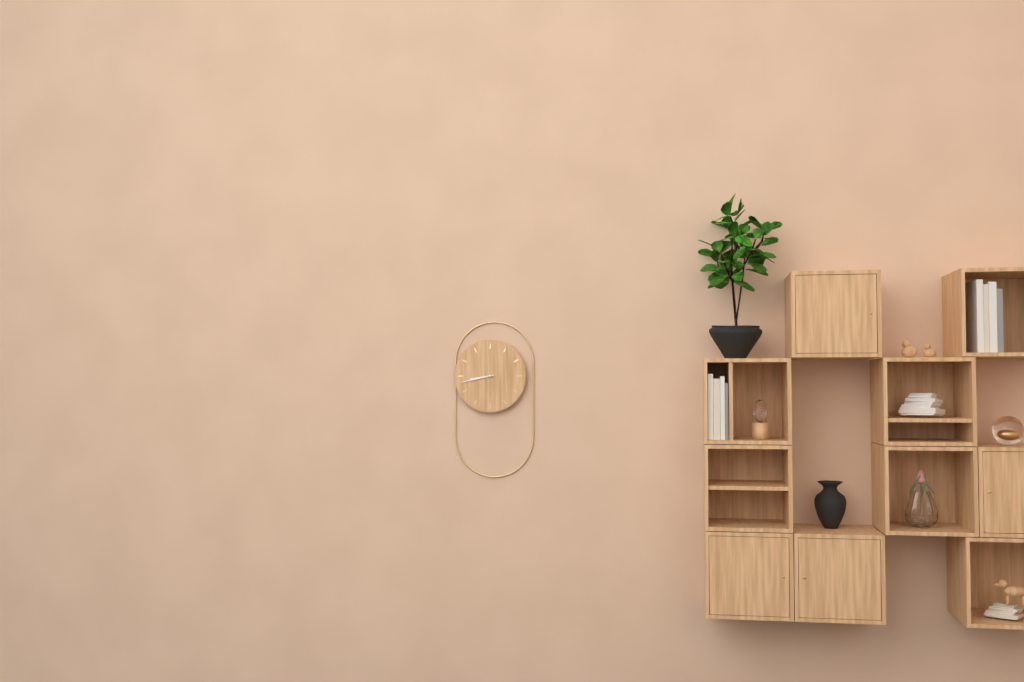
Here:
8 h 43 min
